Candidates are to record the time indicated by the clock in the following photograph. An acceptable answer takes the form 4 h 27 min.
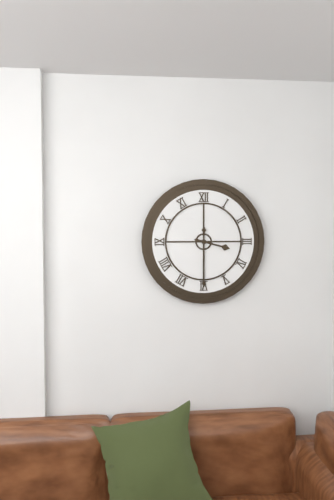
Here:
3 h 30 min
